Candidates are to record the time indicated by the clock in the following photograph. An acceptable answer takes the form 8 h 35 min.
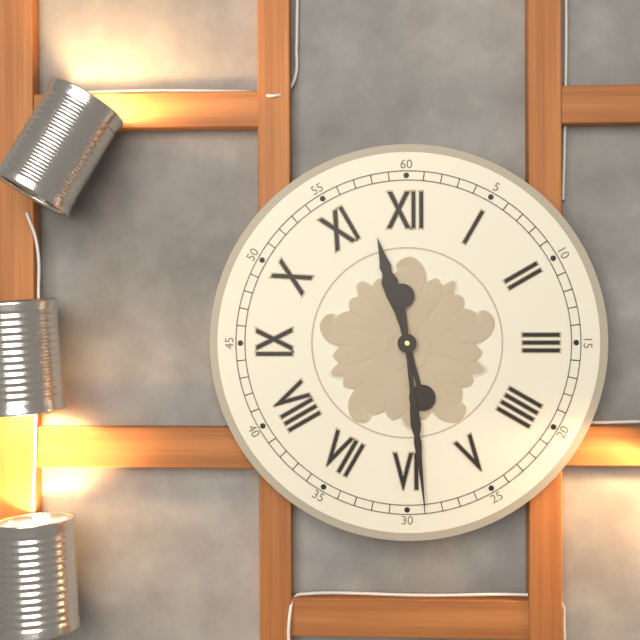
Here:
11 h 29 min
